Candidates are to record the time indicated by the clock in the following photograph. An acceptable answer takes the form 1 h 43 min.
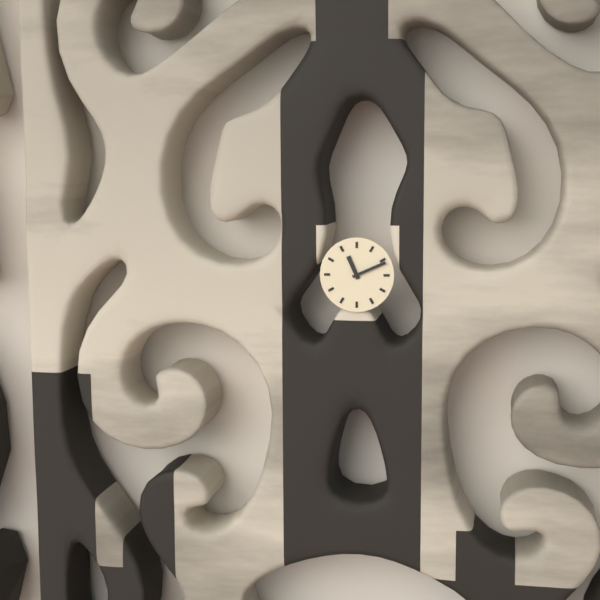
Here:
11 h 11 min
